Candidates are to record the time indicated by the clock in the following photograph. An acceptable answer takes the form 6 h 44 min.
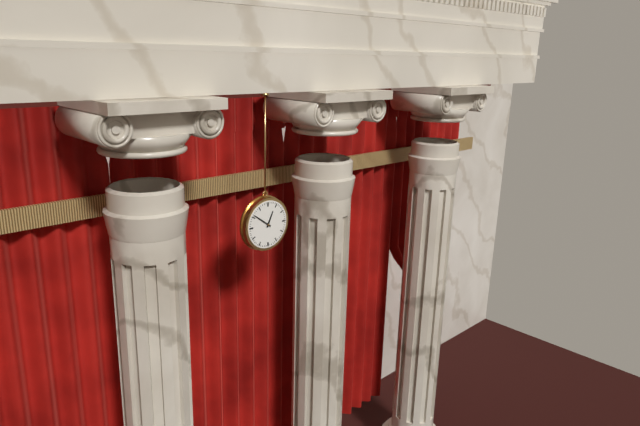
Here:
12 h 51 min
